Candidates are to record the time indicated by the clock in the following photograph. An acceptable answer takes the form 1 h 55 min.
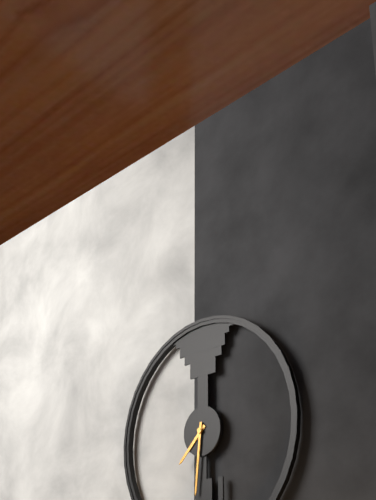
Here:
7 h 31 min
